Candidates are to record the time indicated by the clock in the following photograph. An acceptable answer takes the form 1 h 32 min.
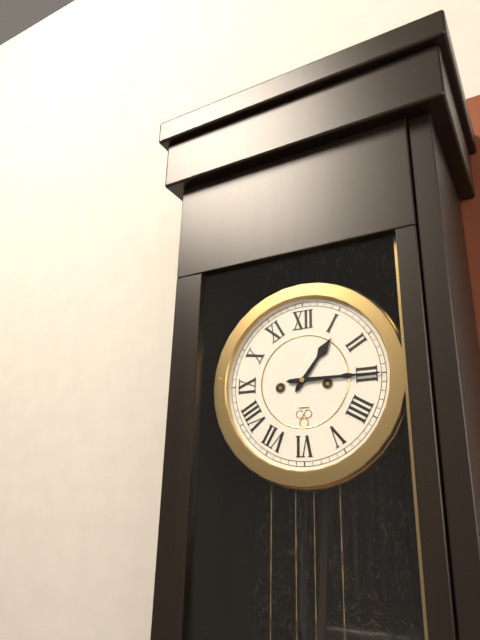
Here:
1 h 15 min
